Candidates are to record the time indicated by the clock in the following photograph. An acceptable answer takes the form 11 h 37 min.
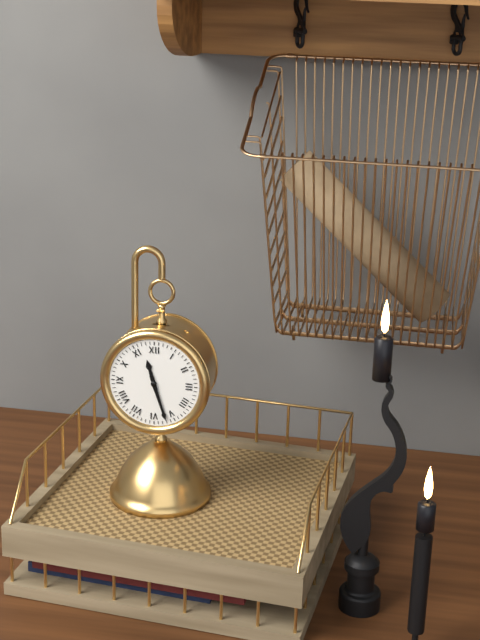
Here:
11 h 27 min
